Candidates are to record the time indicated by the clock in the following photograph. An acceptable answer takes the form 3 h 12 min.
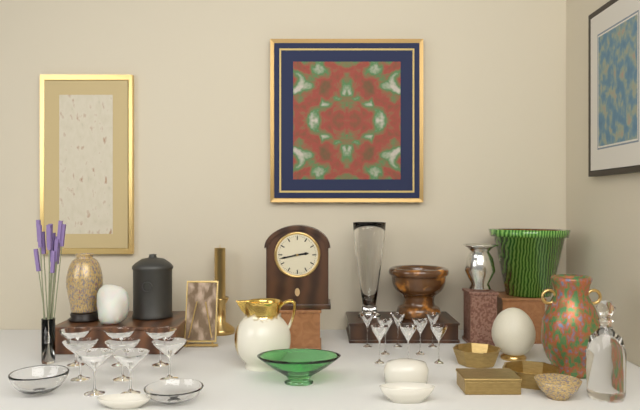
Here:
2 h 43 min
